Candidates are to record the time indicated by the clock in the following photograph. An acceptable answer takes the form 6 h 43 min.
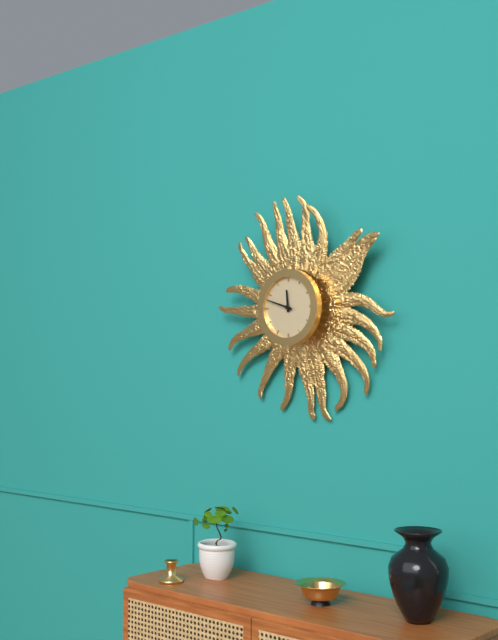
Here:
11 h 48 min
